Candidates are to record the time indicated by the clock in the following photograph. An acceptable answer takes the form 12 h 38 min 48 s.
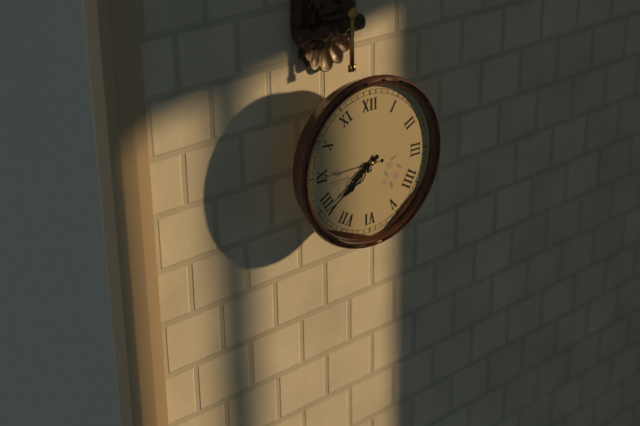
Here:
7 h 39 min 45 s
